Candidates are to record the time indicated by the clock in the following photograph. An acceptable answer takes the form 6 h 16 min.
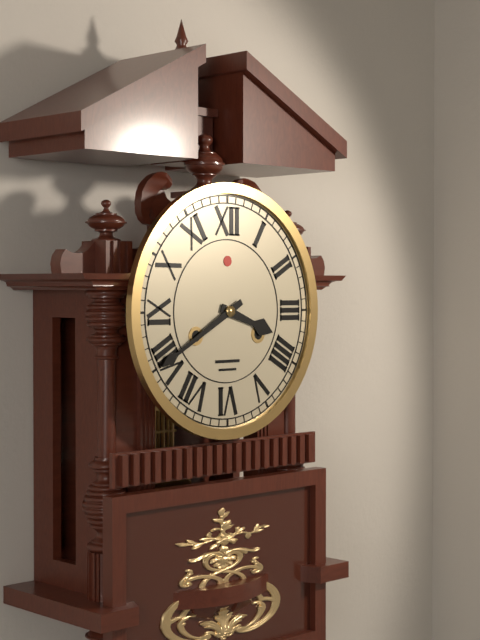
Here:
3 h 40 min
